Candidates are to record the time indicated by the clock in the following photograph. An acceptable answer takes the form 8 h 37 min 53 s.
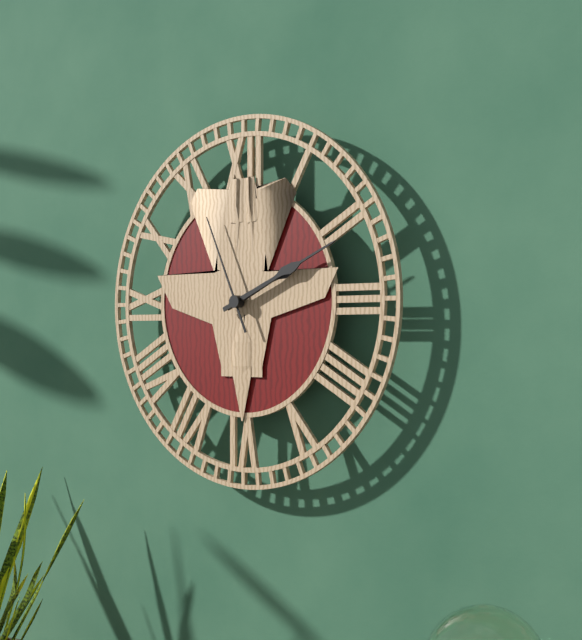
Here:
2 h 11 min 56 s
